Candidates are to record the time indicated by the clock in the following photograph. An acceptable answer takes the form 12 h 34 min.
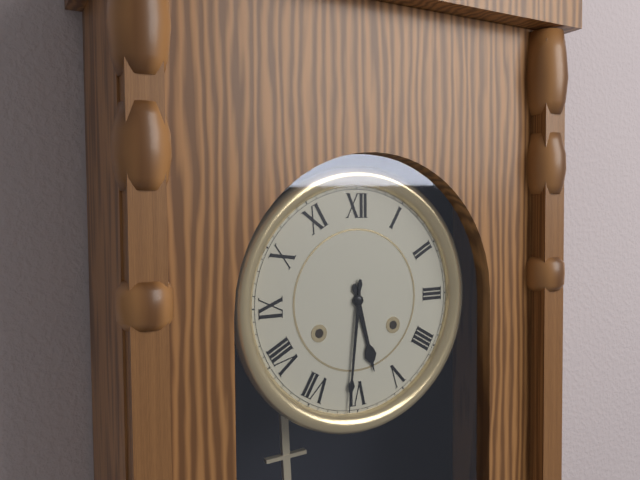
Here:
5 h 31 min
